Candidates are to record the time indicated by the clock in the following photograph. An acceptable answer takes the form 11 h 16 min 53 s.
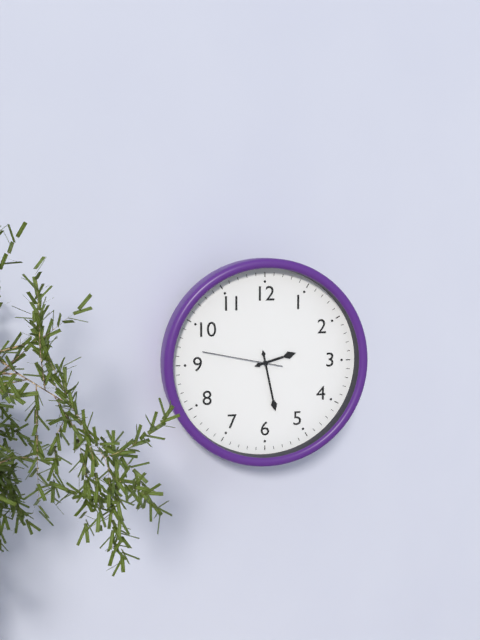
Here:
2 h 28 min 47 s
